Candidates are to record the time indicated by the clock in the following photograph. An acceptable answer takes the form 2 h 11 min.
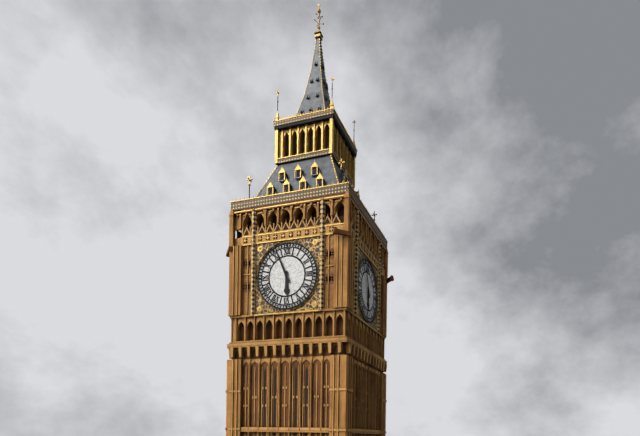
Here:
5 h 56 min
